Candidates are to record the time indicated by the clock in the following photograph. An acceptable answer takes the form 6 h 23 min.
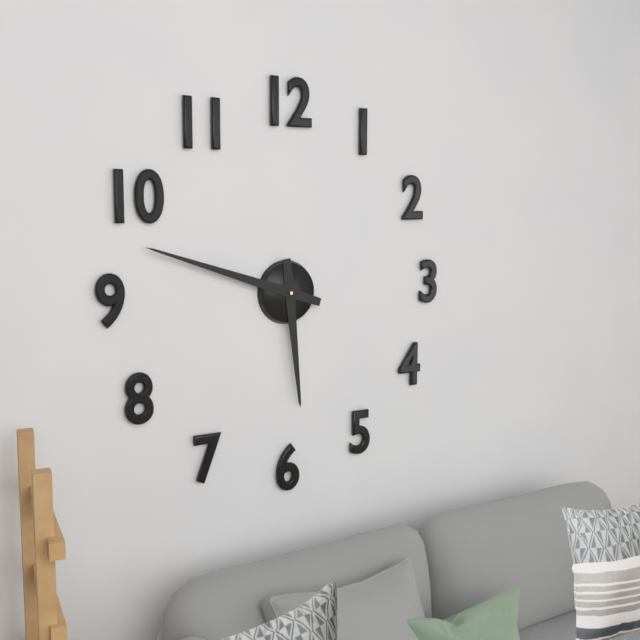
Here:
5 h 48 min
